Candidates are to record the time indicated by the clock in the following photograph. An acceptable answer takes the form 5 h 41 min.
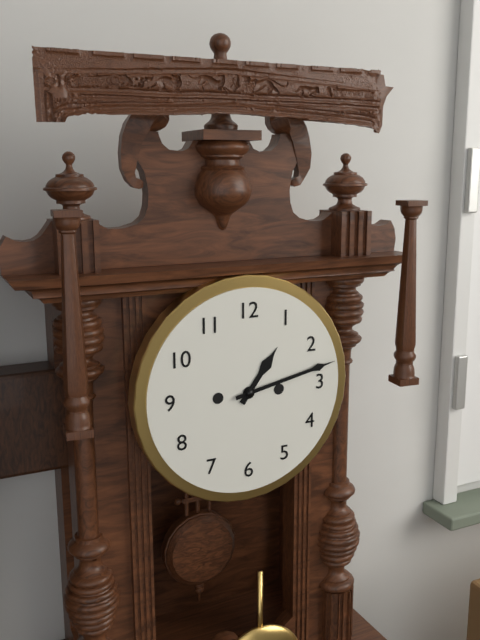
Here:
1 h 13 min
